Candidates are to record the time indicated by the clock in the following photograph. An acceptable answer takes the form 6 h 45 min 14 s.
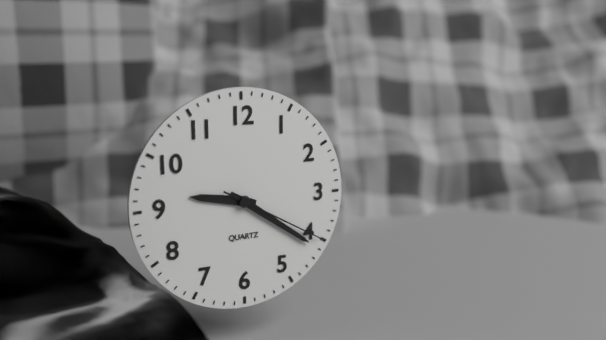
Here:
9 h 21 min 20 s
